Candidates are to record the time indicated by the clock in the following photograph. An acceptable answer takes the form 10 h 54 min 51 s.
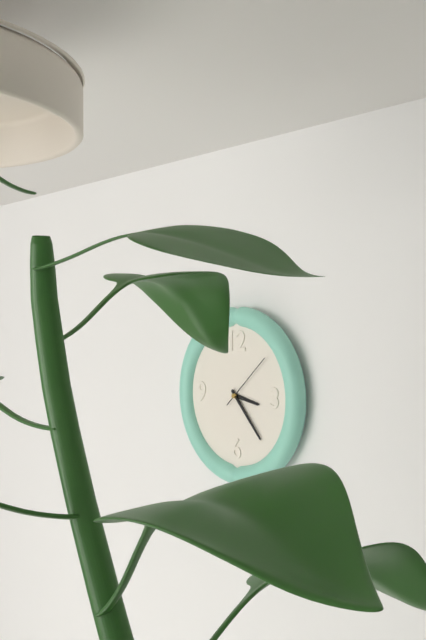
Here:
3 h 23 min 08 s
